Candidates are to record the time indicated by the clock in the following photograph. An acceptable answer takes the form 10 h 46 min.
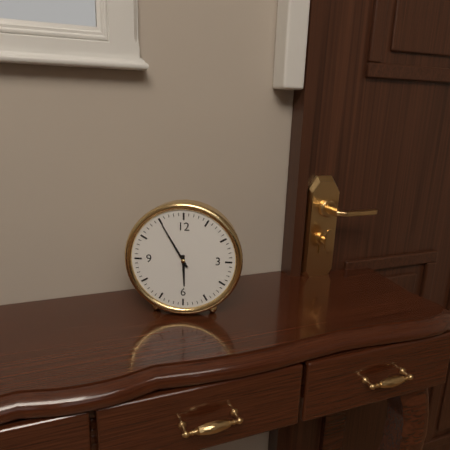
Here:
5 h 55 min
